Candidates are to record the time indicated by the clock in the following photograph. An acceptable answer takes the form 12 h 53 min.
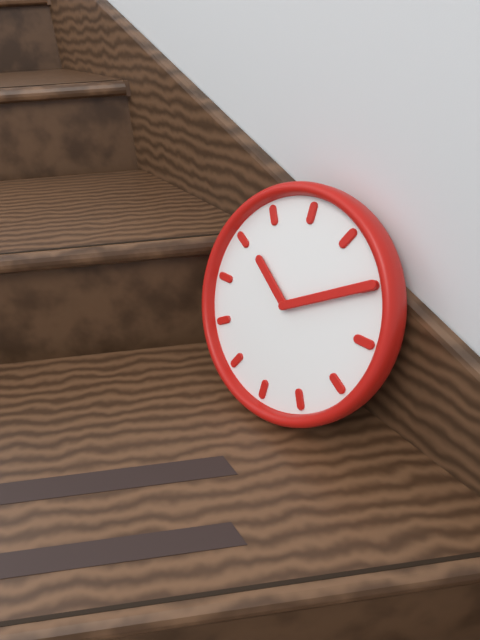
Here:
10 h 10 min
